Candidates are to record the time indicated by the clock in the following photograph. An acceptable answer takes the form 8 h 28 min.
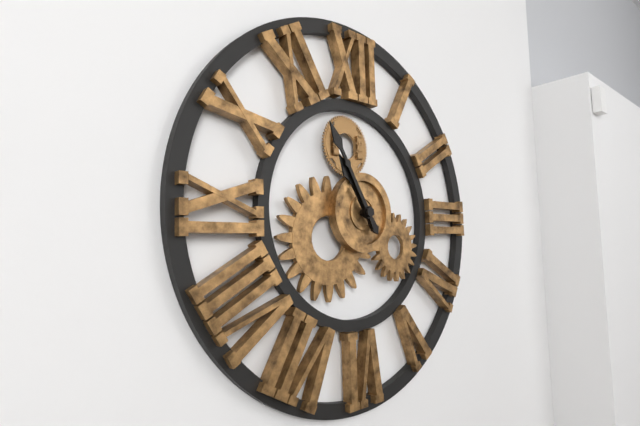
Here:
10 h 55 min
